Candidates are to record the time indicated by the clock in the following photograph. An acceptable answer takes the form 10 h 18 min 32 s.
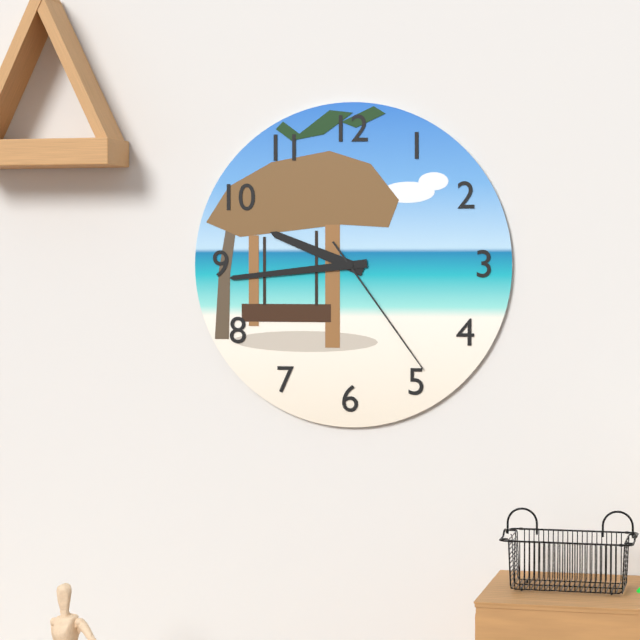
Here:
9 h 44 min 24 s
